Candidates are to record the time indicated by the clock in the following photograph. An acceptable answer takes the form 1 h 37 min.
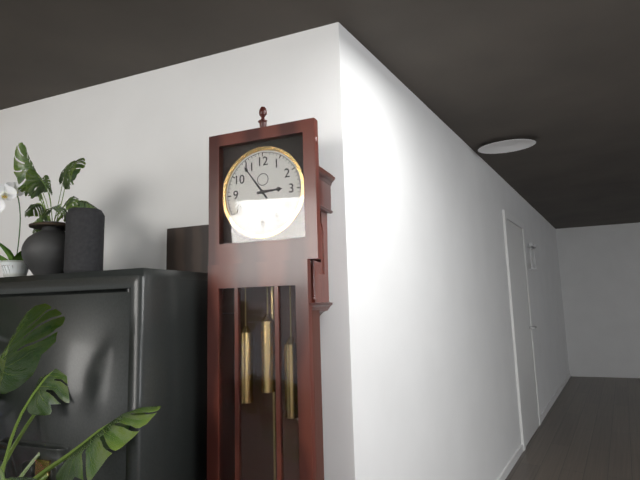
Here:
2 h 54 min
